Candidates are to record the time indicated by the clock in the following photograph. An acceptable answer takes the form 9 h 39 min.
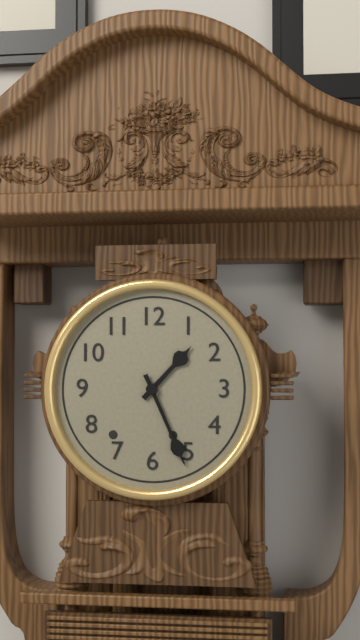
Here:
1 h 26 min
